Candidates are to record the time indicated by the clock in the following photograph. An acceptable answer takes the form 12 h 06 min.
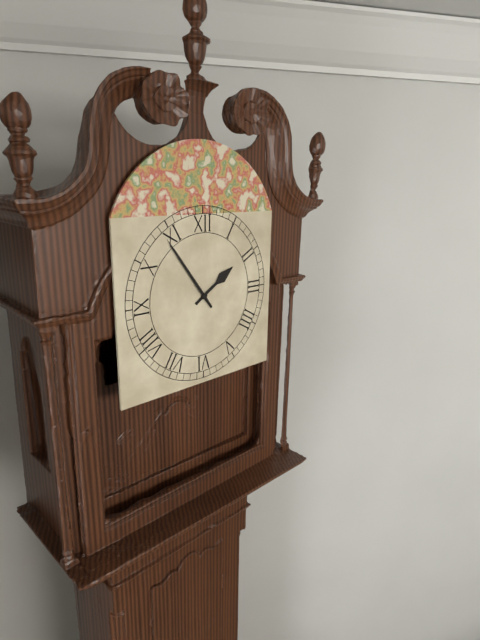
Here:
1 h 54 min
